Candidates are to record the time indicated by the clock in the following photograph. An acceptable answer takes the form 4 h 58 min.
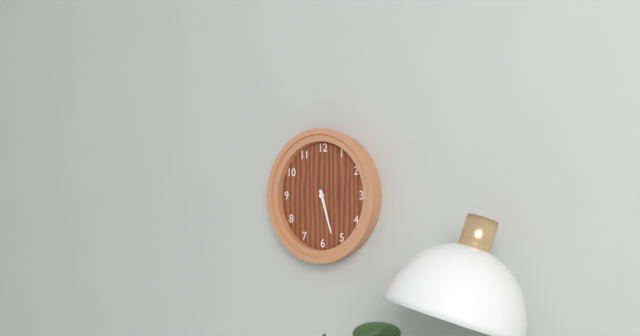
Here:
5 h 27 min
